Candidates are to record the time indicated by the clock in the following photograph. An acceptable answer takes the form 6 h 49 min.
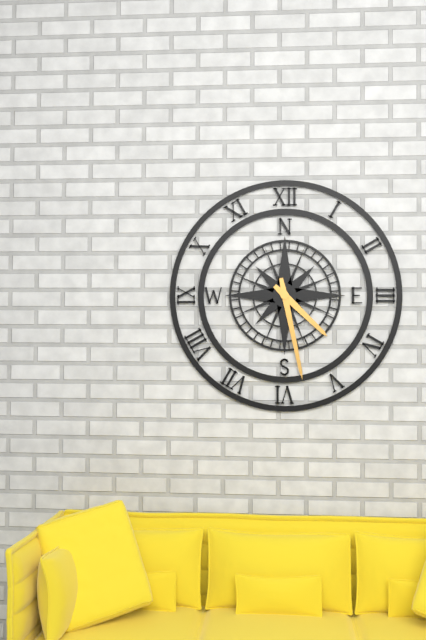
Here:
4 h 28 min
